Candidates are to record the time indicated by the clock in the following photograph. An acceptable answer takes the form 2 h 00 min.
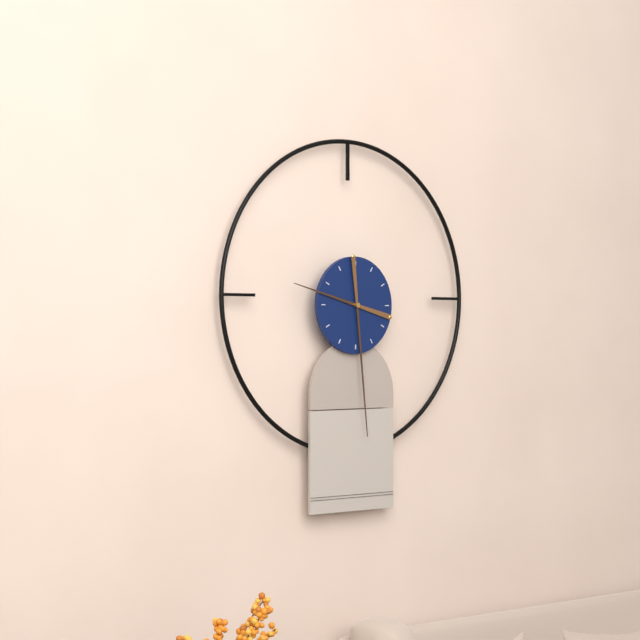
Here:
9 h 29 min
